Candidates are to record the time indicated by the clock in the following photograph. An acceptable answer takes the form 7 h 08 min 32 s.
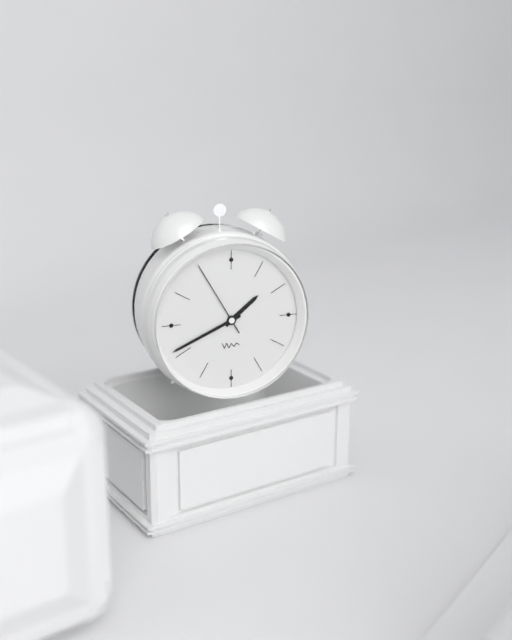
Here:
1 h 41 min 55 s
